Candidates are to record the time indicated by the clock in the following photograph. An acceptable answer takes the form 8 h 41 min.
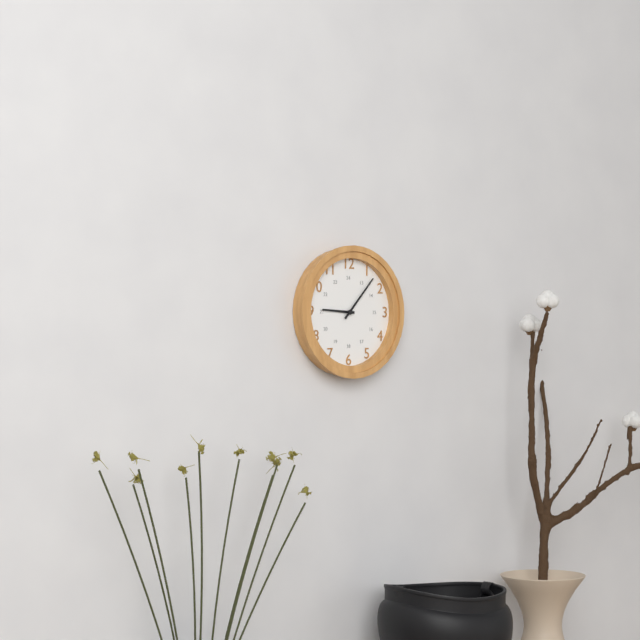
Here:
9 h 07 min
